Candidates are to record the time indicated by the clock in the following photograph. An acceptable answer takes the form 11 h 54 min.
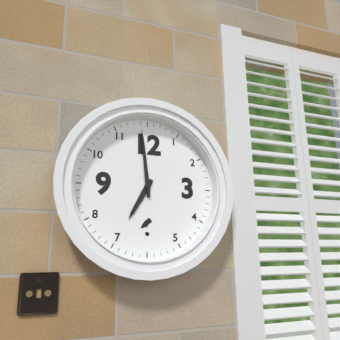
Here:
6 h 59 min
